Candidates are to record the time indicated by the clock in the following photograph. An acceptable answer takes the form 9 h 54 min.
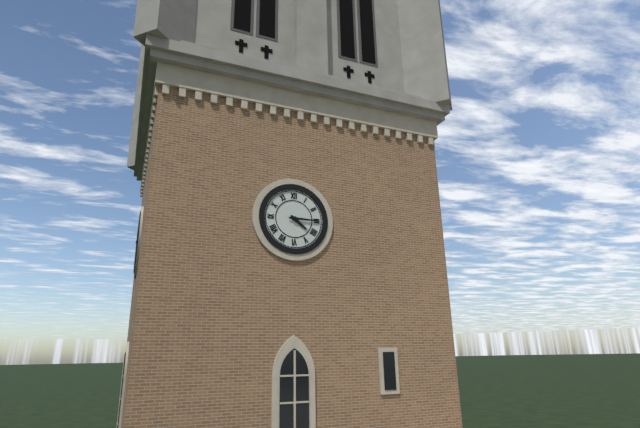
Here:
4 h 15 min
